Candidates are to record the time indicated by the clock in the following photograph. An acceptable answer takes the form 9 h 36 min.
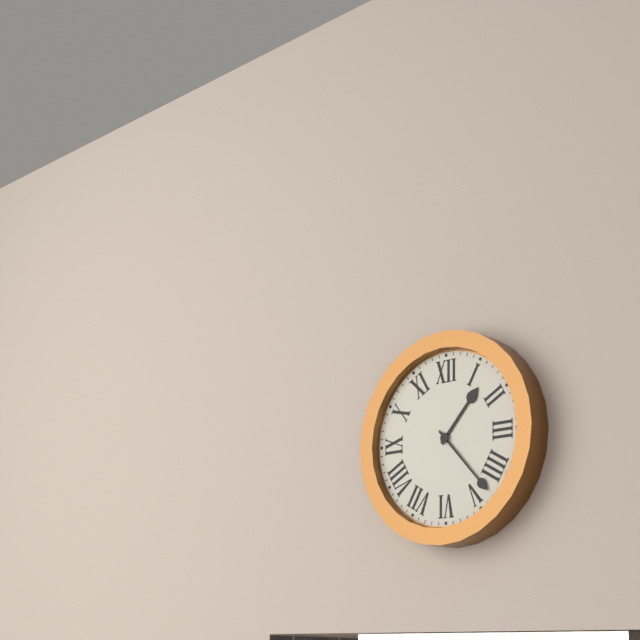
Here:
1 h 23 min
